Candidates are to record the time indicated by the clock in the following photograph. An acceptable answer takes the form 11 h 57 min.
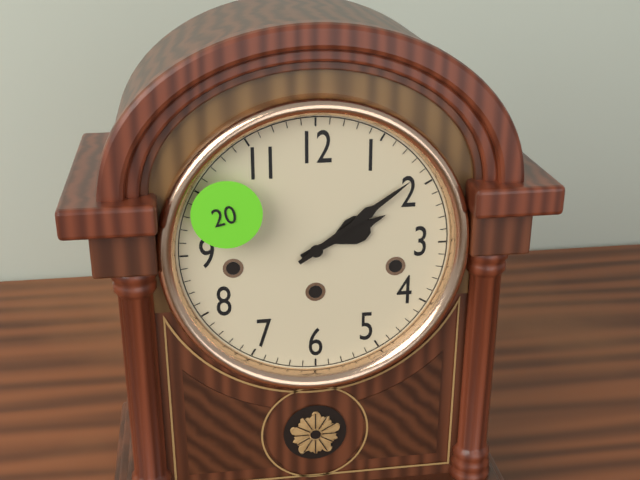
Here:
2 h 09 min
